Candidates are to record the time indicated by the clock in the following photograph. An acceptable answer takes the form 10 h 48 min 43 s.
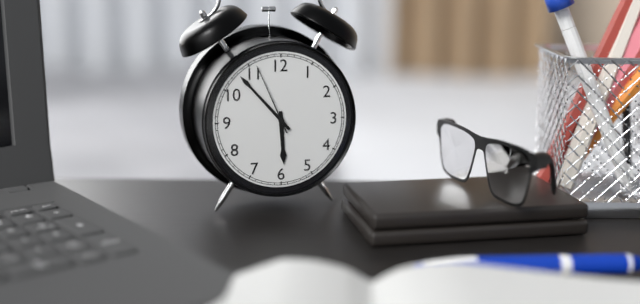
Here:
5 h 53 min 56 s
